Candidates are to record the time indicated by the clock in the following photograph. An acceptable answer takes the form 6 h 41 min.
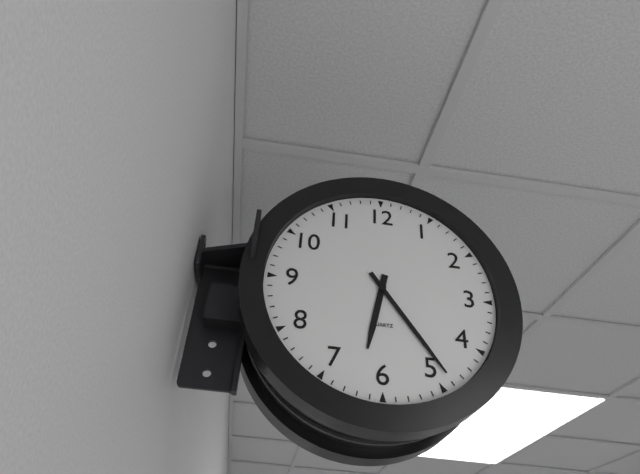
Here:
6 h 24 min
